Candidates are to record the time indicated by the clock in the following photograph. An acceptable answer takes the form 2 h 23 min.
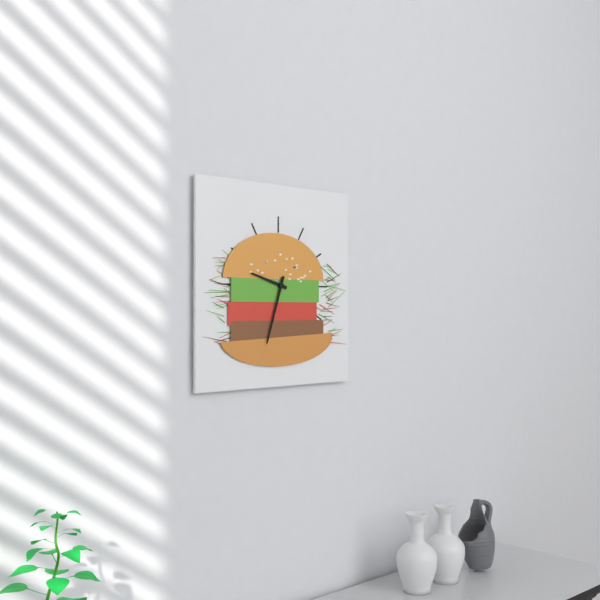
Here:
9 h 33 min
